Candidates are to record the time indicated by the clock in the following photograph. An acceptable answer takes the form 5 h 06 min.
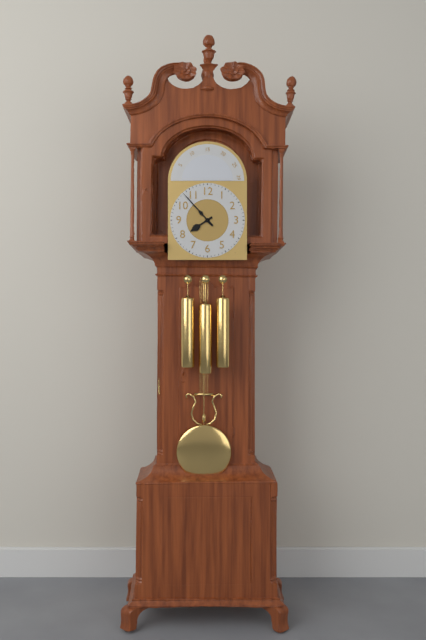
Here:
7 h 53 min
